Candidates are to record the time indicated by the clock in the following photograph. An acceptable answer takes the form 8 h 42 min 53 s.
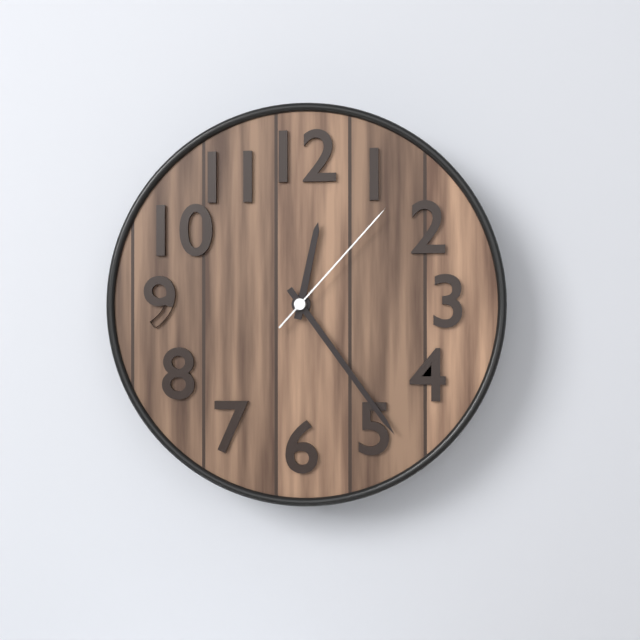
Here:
12 h 24 min 07 s
